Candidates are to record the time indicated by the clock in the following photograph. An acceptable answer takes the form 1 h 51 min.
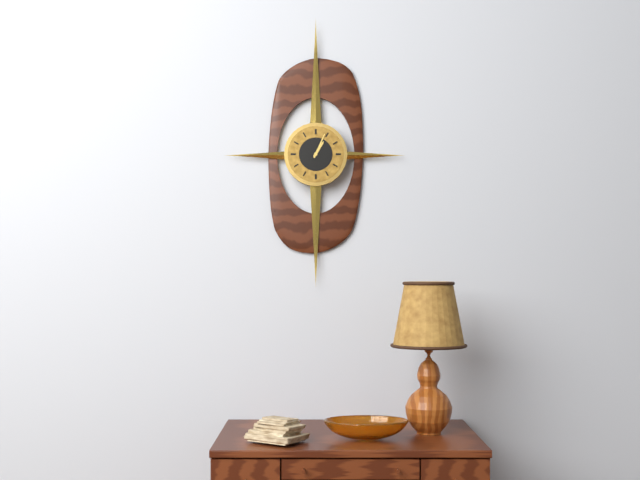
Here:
1 h 04 min
